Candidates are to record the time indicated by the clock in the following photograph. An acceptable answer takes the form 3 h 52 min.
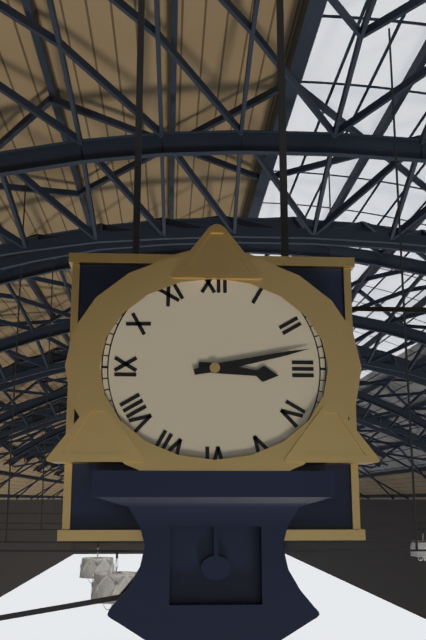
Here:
3 h 13 min
